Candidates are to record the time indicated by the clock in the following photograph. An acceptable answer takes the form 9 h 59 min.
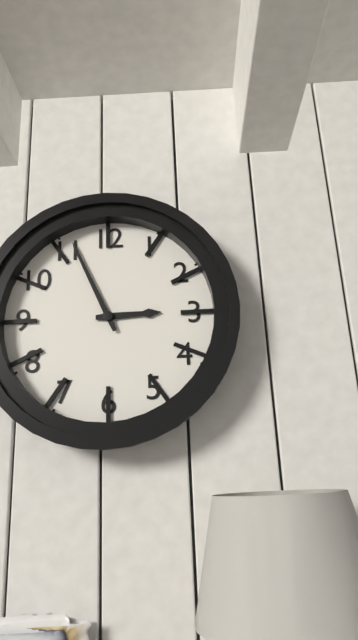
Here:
2 h 56 min
